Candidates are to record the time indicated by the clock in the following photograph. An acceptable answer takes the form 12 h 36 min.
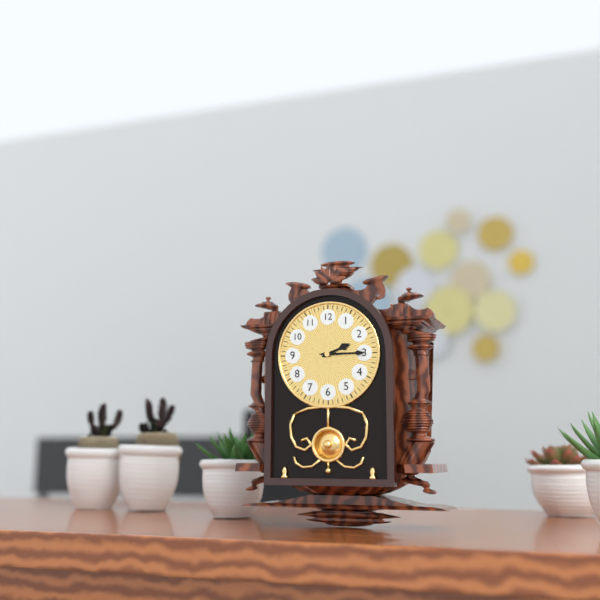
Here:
2 h 15 min
